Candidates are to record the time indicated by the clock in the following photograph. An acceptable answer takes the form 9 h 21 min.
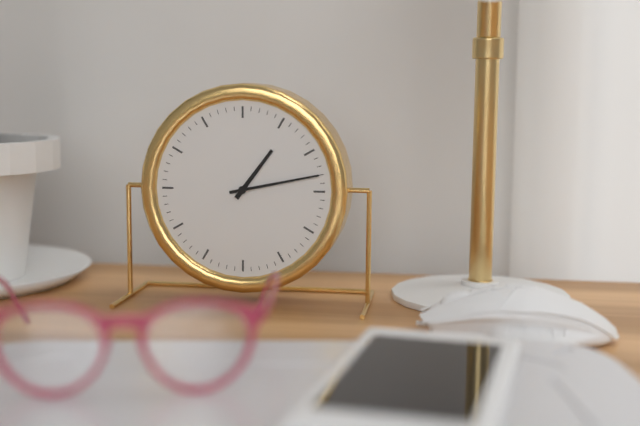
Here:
1 h 13 min
